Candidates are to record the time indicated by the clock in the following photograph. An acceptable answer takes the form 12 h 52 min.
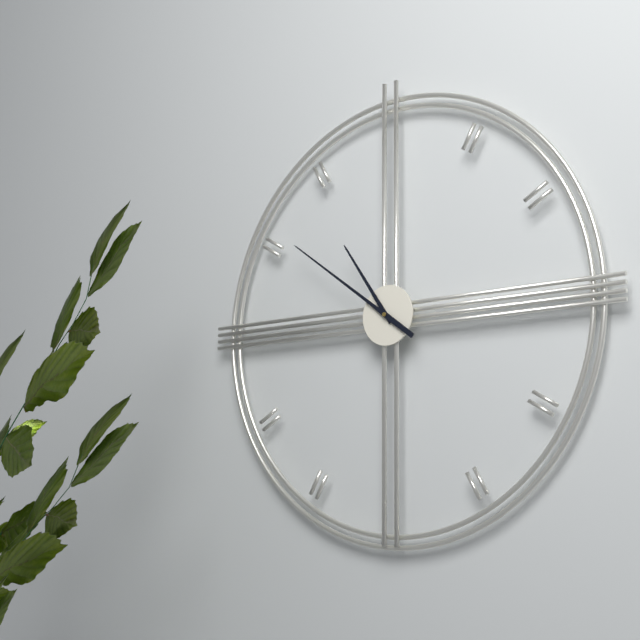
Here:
10 h 51 min
